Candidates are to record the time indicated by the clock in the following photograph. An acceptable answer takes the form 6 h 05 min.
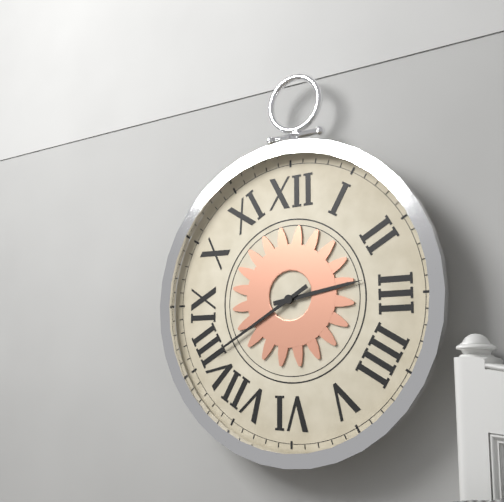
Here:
2 h 40 min
